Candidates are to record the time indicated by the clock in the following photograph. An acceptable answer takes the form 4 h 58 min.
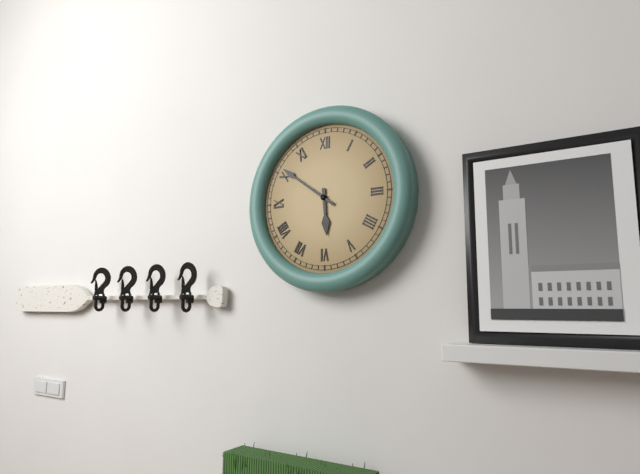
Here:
5 h 51 min
